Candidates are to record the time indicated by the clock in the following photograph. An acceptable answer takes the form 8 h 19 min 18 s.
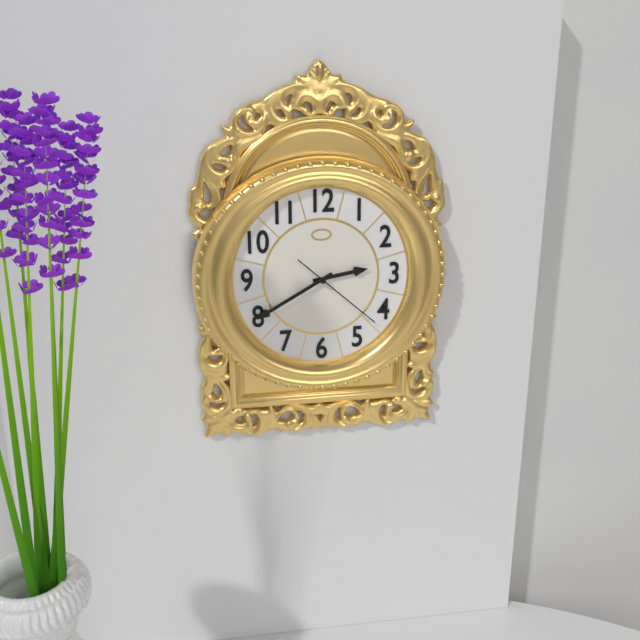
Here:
2 h 40 min 22 s
